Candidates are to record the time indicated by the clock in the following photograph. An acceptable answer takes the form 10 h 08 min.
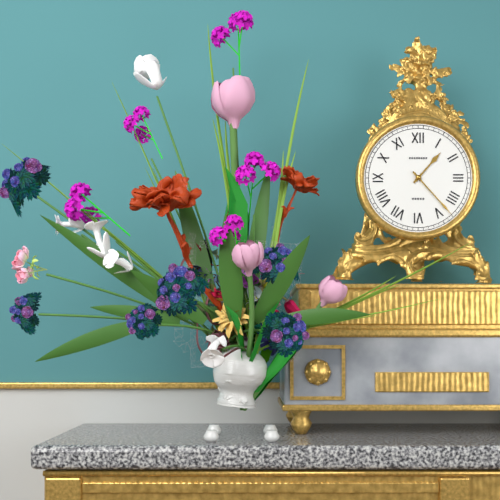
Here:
1 h 23 min
